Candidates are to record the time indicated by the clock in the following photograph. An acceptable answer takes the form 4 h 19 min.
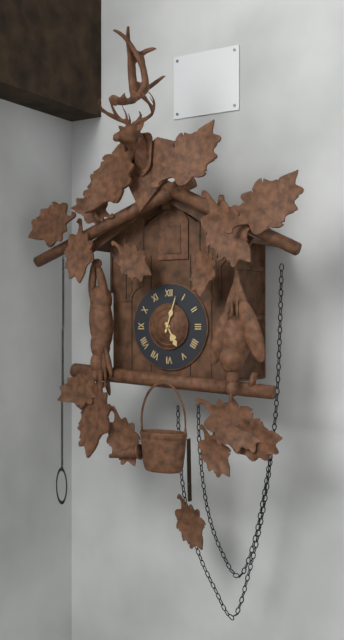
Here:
5 h 03 min
